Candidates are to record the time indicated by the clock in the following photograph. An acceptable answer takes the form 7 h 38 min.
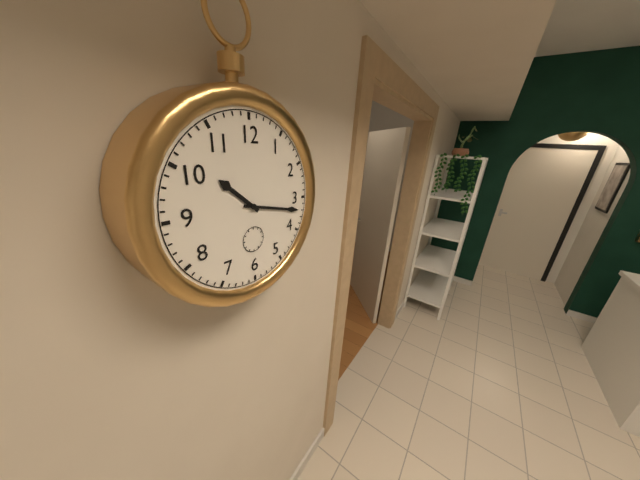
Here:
10 h 17 min
